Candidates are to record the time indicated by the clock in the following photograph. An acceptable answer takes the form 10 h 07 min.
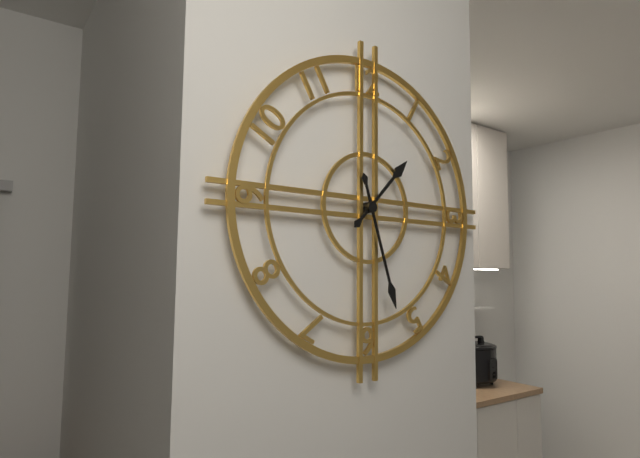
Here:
1 h 27 min
